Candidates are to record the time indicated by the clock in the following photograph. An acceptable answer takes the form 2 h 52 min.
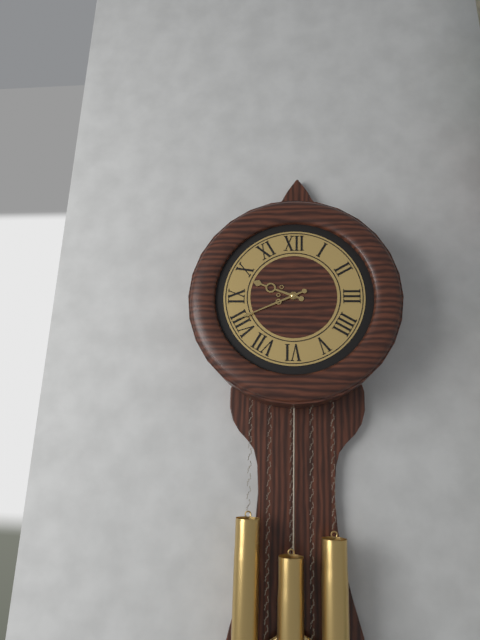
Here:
9 h 41 min
